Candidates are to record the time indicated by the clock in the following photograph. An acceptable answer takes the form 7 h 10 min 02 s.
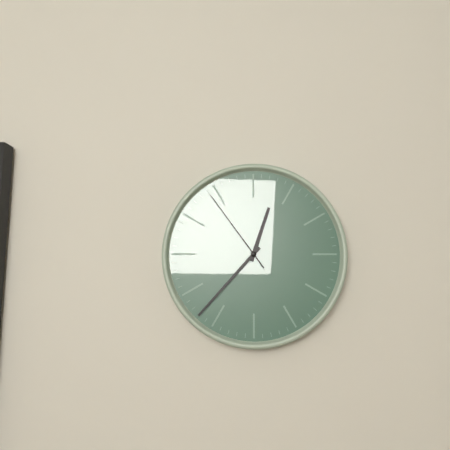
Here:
12 h 37 min 54 s
